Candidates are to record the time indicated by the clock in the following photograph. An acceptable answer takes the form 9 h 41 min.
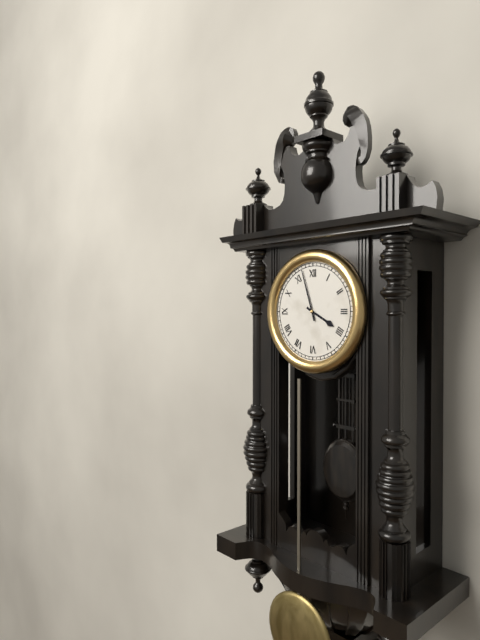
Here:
3 h 57 min
